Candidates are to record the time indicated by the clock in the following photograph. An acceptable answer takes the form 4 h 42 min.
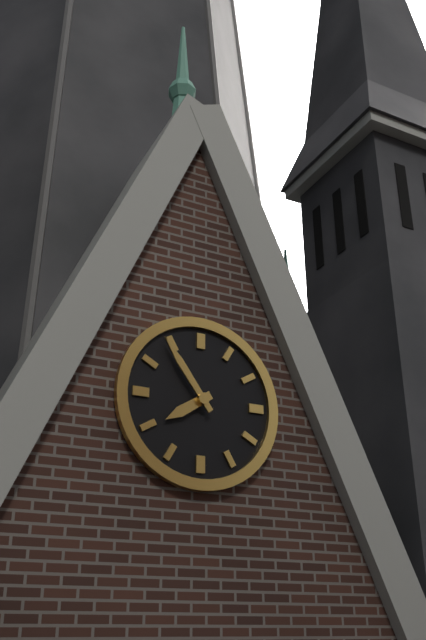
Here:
7 h 54 min
